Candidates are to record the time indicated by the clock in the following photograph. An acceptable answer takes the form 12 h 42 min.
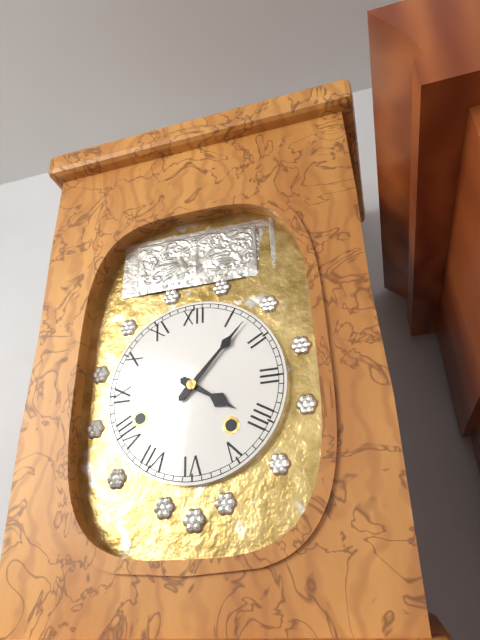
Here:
4 h 07 min
